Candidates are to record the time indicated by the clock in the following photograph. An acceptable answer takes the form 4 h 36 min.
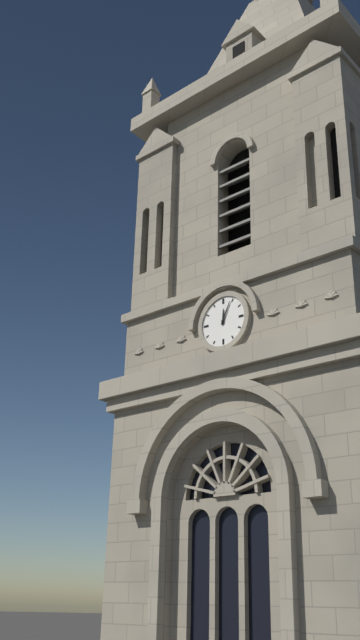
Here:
12 h 04 min
